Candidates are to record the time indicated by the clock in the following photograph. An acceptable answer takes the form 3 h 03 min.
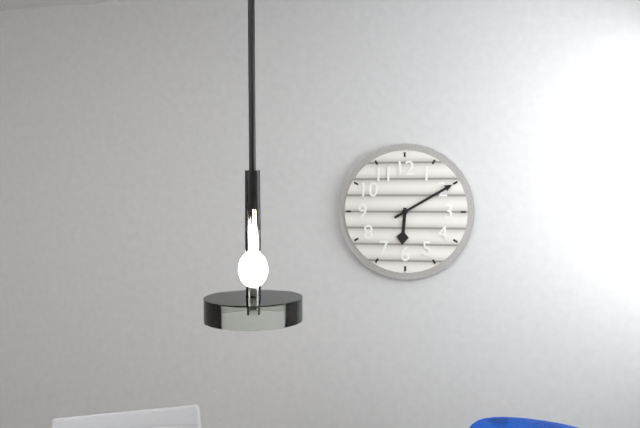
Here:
6 h 10 min
